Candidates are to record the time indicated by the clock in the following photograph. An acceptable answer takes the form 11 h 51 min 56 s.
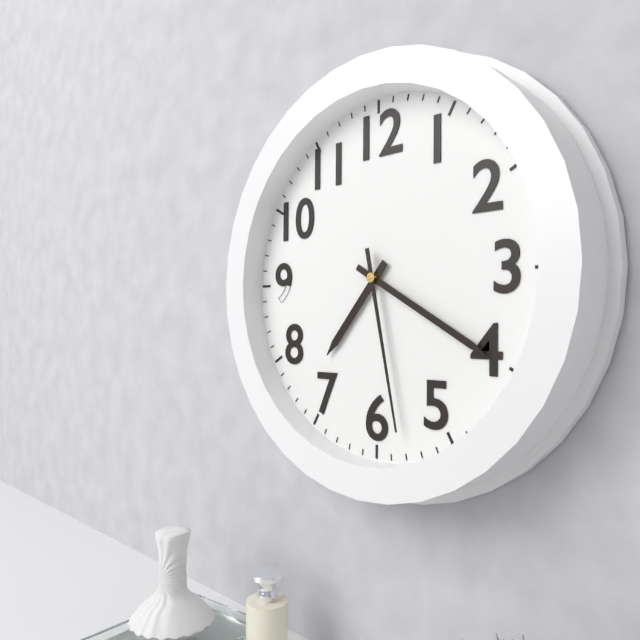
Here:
7 h 20 min 28 s
